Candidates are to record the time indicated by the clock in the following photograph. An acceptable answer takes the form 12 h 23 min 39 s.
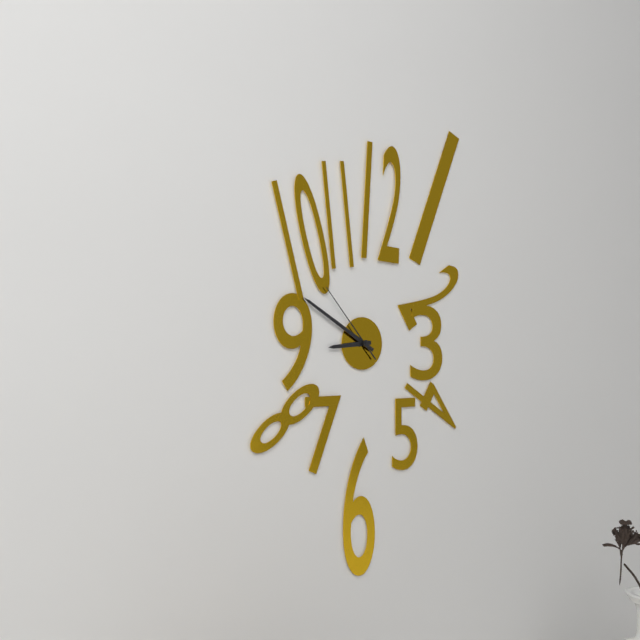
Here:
8 h 50 min 53 s
